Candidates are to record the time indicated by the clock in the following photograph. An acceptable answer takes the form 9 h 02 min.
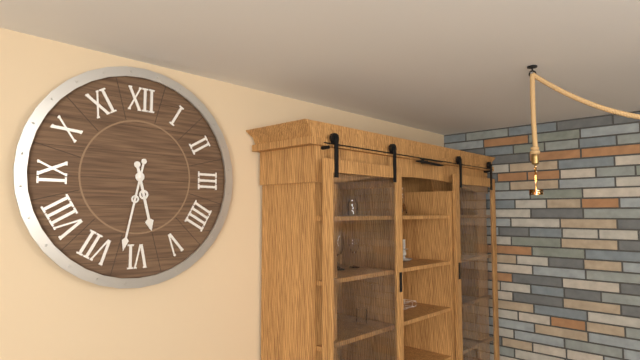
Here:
5 h 32 min
